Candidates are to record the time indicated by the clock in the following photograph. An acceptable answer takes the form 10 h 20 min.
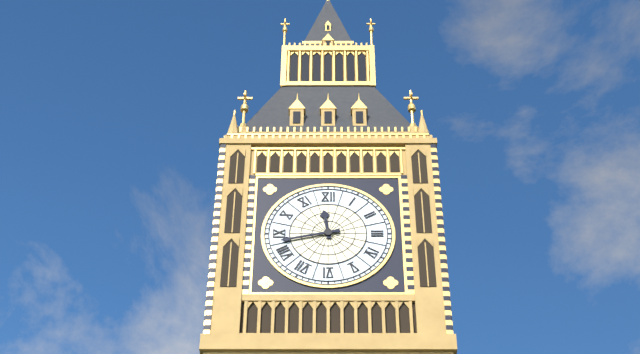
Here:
11 h 43 min
